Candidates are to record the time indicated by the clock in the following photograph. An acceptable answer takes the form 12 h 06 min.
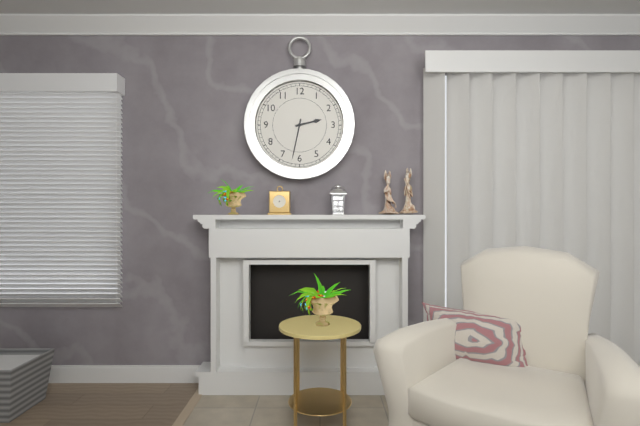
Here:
2 h 32 min
